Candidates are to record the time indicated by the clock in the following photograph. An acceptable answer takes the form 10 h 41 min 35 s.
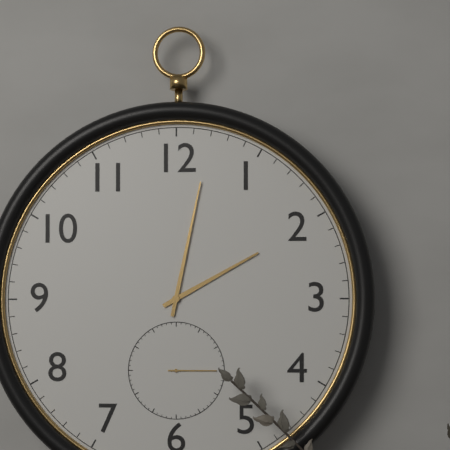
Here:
2 h 02 min 15 s
